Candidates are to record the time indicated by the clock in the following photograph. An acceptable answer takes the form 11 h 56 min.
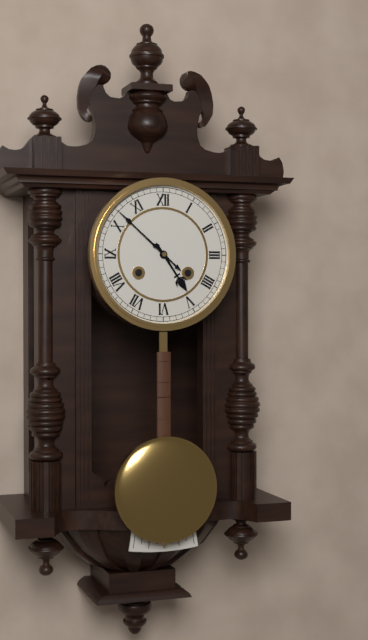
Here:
4 h 52 min
